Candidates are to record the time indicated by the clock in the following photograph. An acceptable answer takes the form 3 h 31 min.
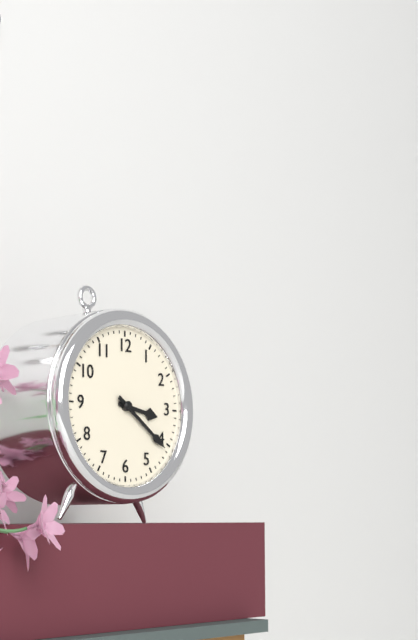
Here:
3 h 21 min
